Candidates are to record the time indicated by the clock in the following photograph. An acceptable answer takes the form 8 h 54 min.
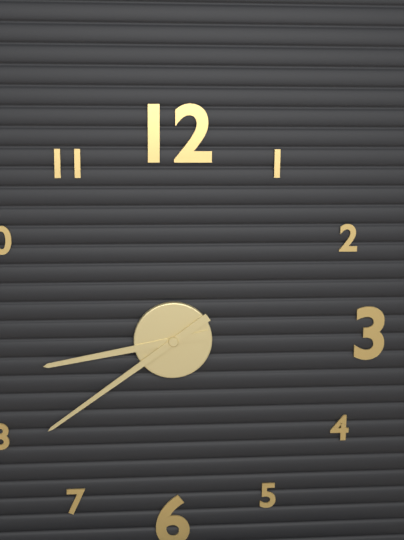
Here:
8 h 39 min
